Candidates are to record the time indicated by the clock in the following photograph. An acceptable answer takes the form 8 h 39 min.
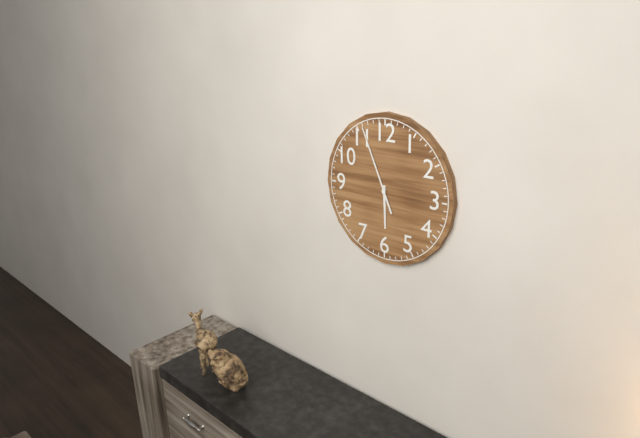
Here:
5 h 56 min
